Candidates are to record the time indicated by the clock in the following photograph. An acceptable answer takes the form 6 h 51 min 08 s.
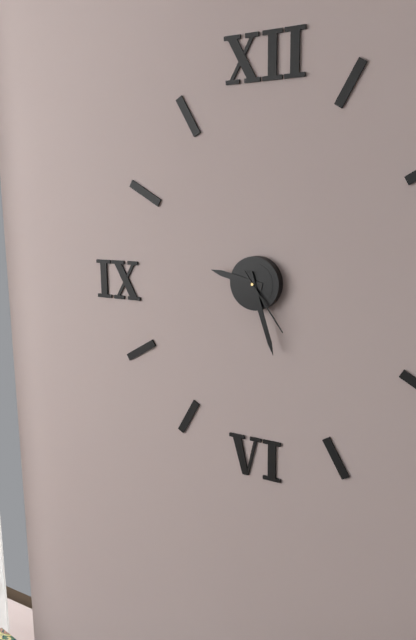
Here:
9 h 27 min 24 s
